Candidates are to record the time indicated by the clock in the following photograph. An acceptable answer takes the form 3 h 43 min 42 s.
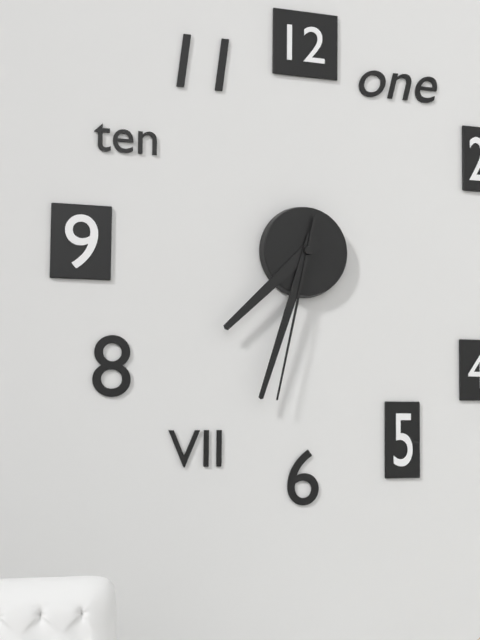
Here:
7 h 33 min 32 s
